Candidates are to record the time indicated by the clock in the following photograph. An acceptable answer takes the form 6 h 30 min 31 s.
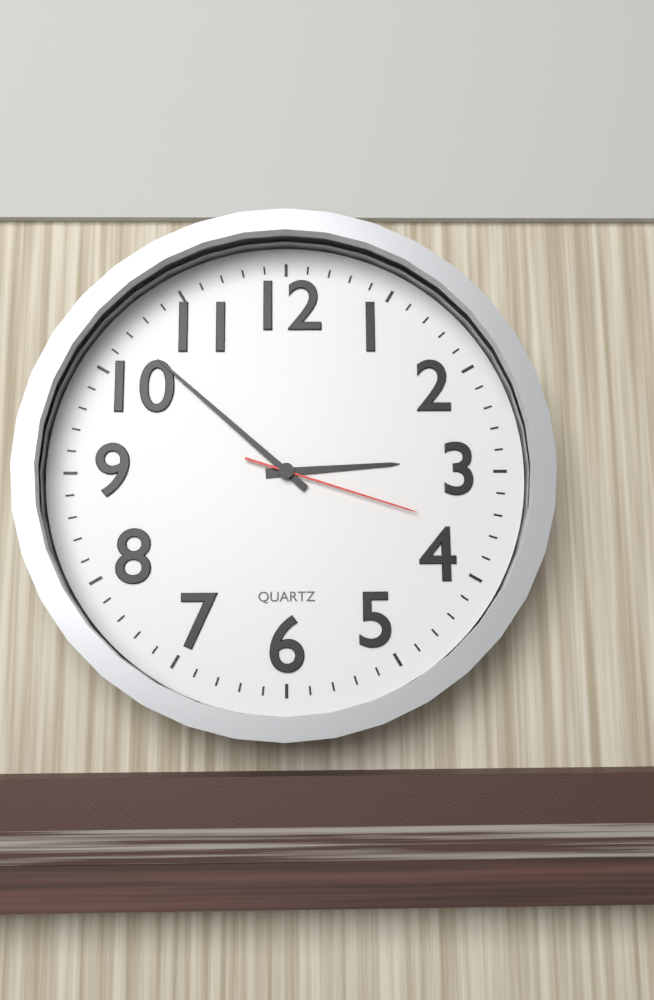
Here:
2 h 52 min 18 s
